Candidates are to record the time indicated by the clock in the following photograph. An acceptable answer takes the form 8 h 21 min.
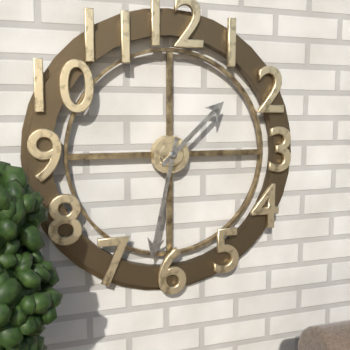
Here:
1 h 32 min
